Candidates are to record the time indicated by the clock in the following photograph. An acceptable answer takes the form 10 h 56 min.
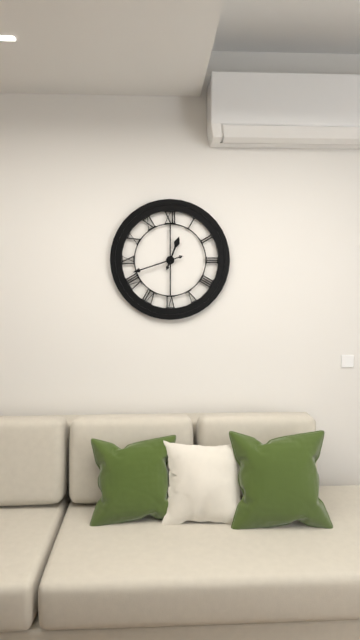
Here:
12 h 42 min
